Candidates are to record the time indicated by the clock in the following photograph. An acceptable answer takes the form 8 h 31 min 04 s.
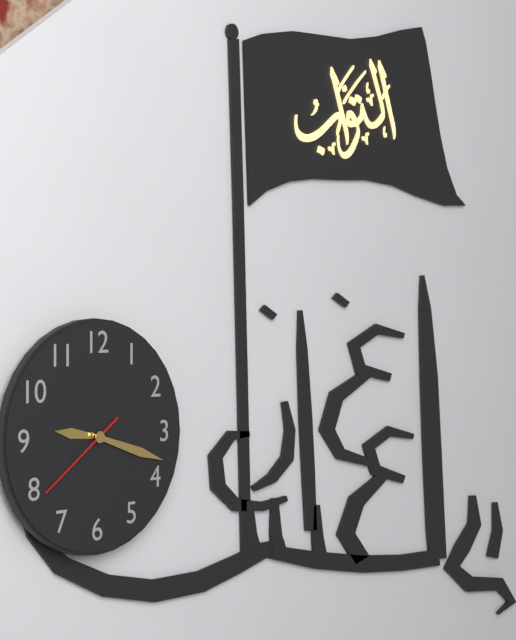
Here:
9 h 18 min 39 s
